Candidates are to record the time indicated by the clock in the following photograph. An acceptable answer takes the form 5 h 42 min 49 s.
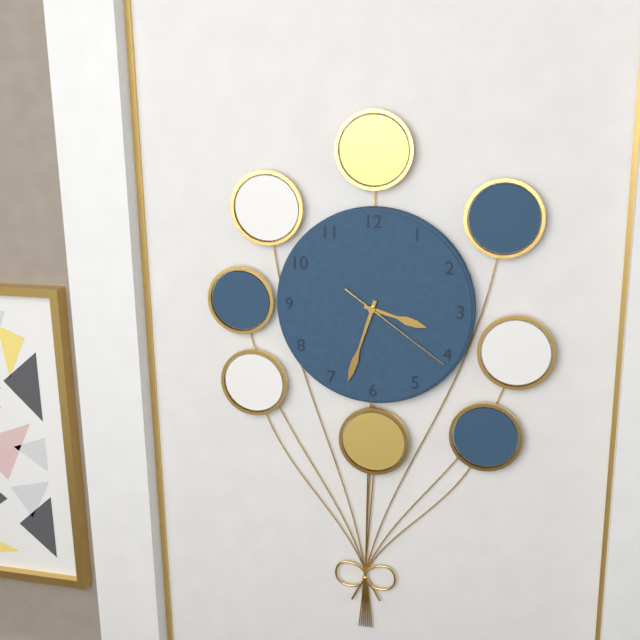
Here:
3 h 33 min 21 s
